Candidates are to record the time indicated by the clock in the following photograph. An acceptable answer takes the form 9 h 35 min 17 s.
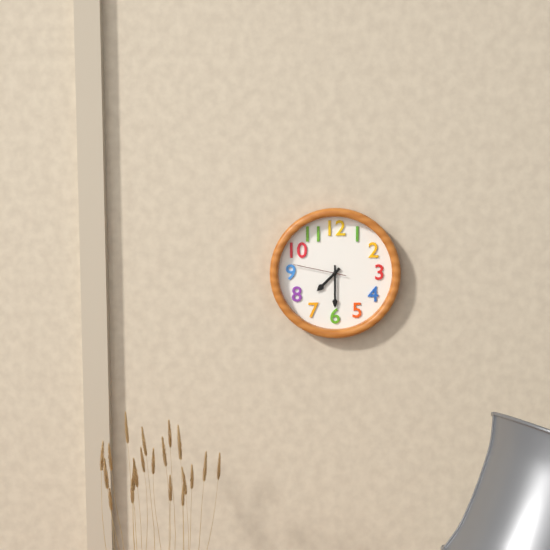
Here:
7 h 30 min 47 s
